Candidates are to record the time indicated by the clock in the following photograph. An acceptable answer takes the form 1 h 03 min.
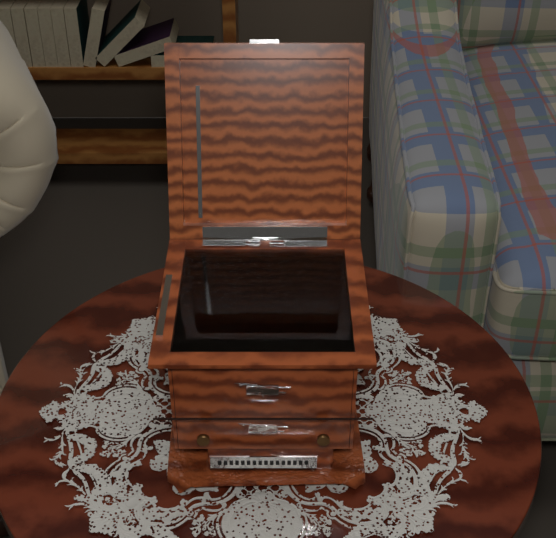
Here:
1 h 35 min
